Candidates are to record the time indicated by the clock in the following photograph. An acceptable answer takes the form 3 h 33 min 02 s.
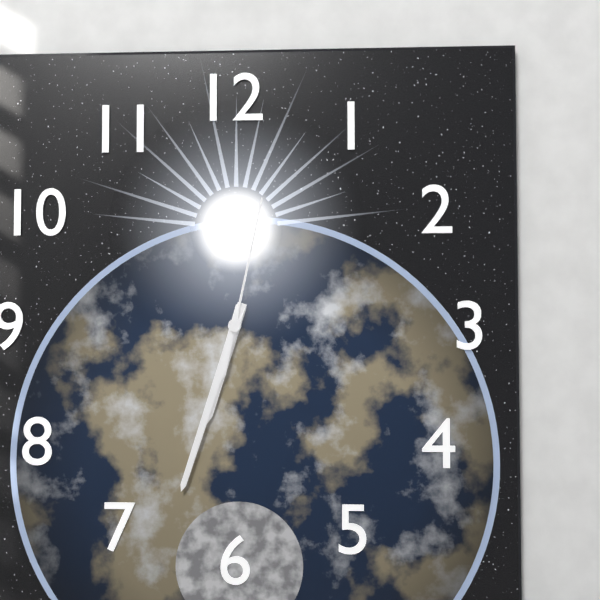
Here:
6 h 33 min 02 s
